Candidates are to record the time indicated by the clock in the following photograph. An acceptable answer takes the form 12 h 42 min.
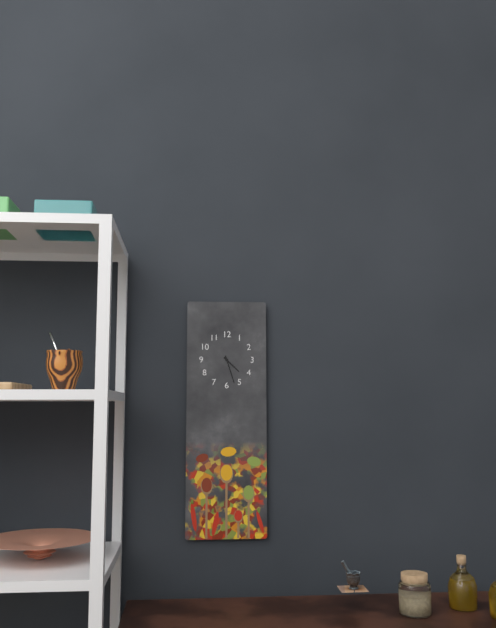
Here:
4 h 27 min
